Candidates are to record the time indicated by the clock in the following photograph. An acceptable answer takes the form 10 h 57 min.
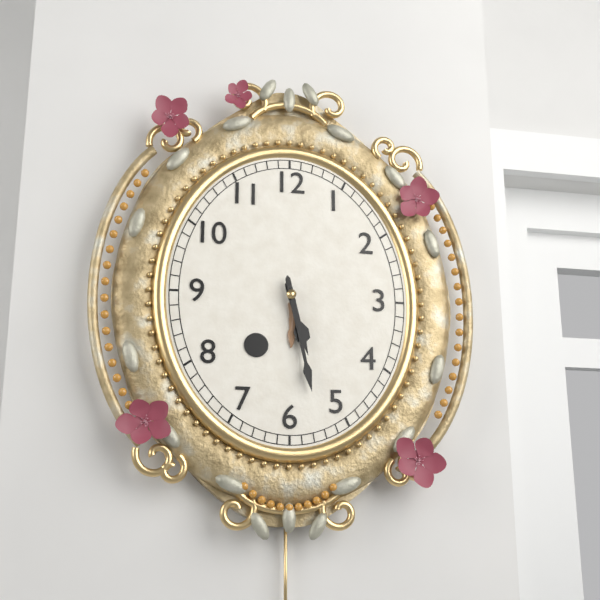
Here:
5 h 28 min
